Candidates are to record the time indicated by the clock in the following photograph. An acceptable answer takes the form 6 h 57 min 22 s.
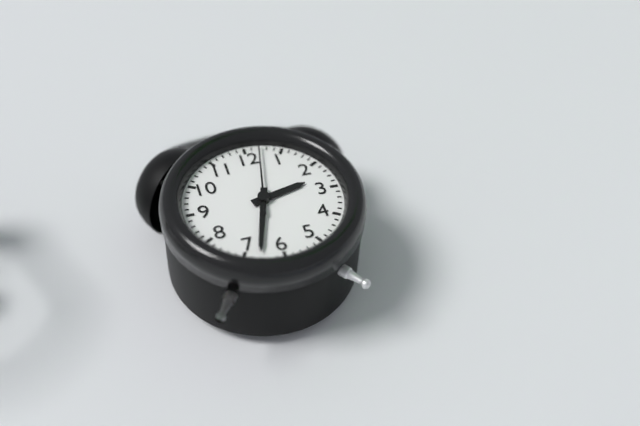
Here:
2 h 33 min 02 s
